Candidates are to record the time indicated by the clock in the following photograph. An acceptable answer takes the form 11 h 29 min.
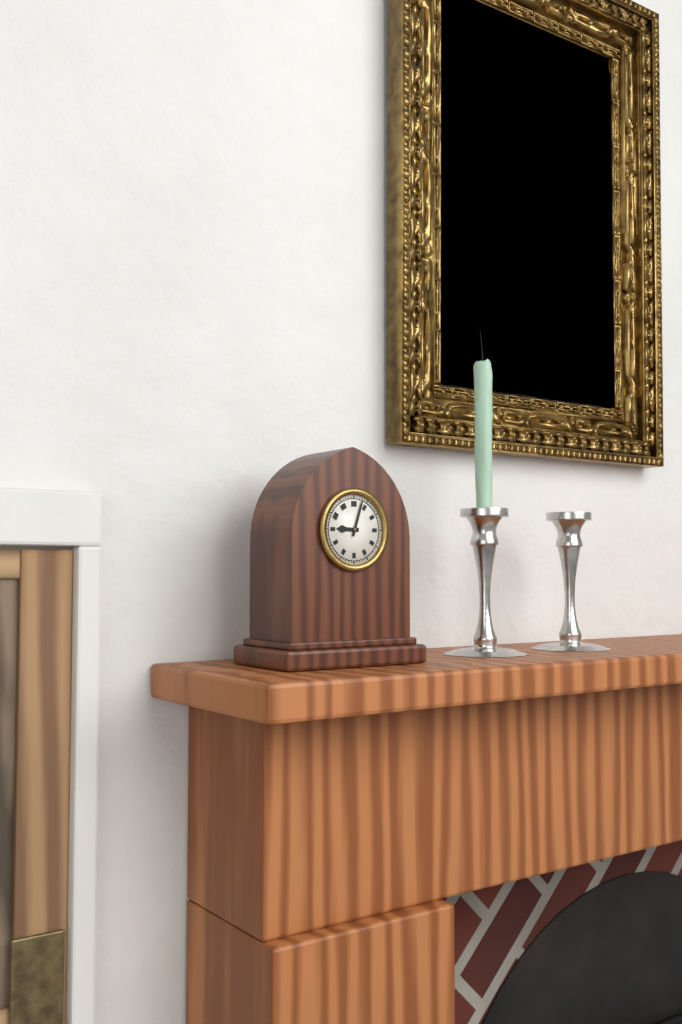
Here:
9 h 03 min
